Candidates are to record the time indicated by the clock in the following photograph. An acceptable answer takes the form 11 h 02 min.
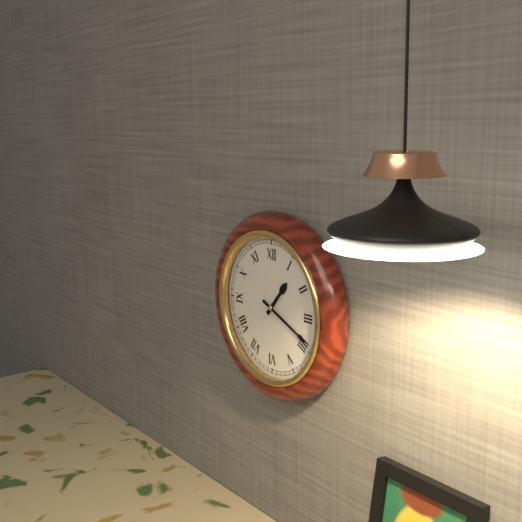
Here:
1 h 19 min
